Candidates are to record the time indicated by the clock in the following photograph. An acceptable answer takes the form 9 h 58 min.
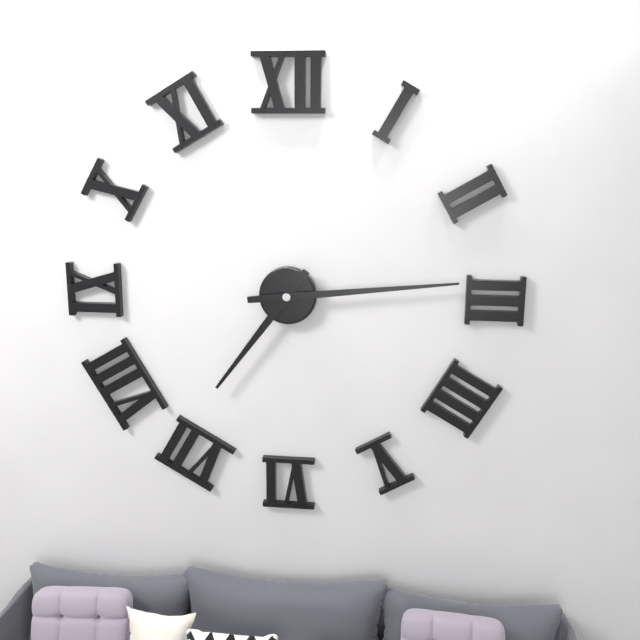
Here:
7 h 14 min
